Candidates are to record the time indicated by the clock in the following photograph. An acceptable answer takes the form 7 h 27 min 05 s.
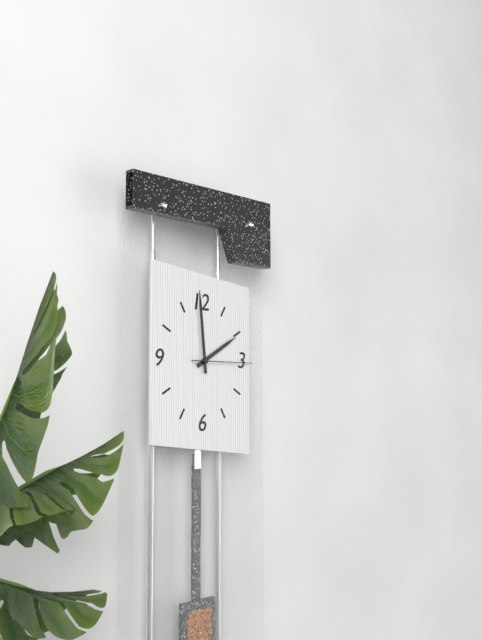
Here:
1 h 59 min 15 s
